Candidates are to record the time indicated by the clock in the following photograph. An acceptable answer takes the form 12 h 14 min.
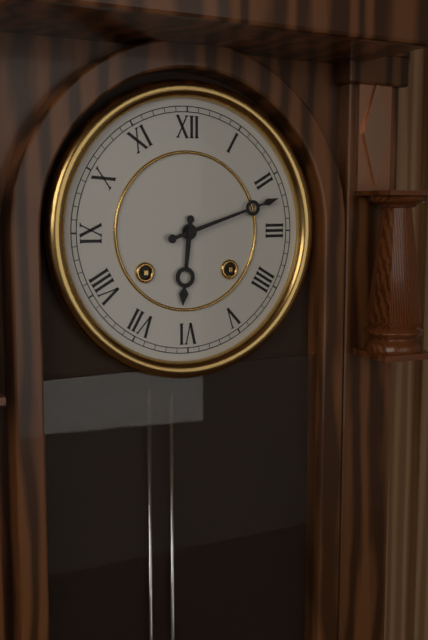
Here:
6 h 12 min
